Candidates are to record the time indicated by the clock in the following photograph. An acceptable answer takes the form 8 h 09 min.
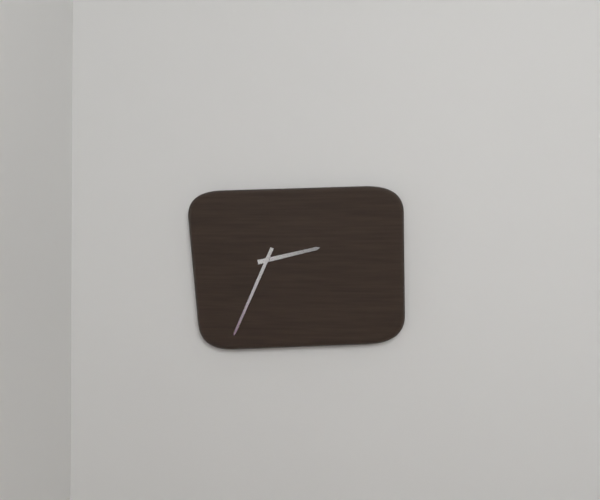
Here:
2 h 34 min
